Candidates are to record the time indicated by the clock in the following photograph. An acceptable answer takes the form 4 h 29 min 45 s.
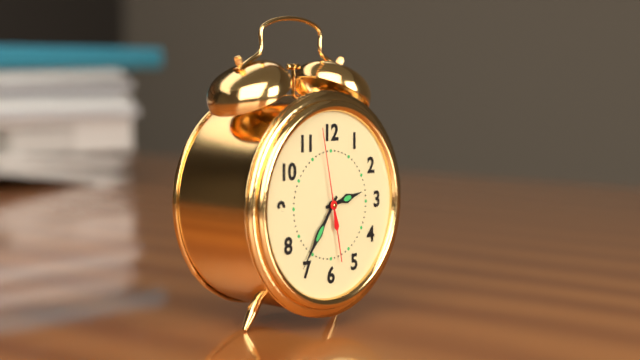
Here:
2 h 36 min 58 s
